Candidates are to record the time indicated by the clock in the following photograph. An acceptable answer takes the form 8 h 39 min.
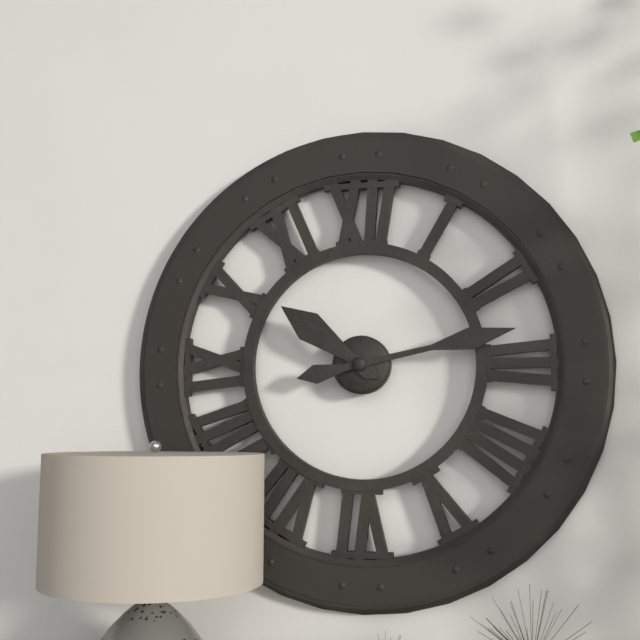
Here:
10 h 13 min
